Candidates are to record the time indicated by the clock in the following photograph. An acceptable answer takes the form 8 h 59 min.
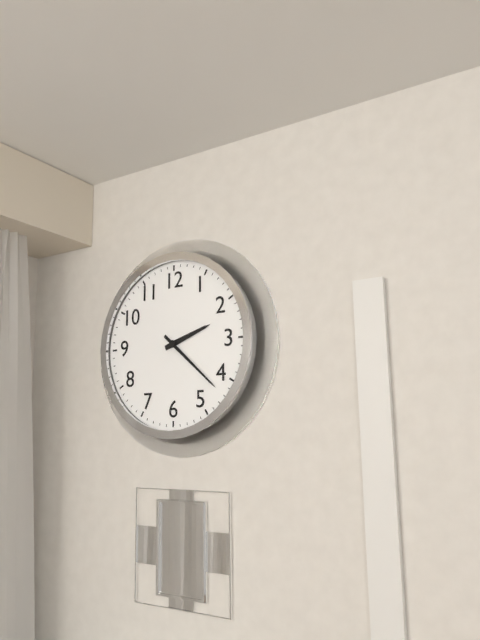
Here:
2 h 22 min
